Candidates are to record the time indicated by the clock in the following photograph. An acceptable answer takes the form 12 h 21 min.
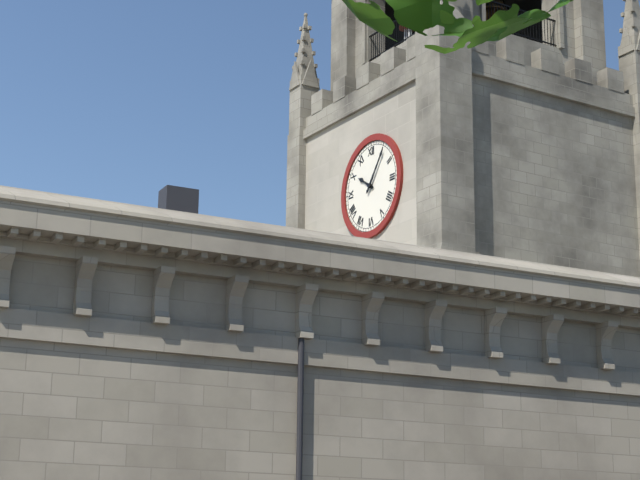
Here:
10 h 06 min
